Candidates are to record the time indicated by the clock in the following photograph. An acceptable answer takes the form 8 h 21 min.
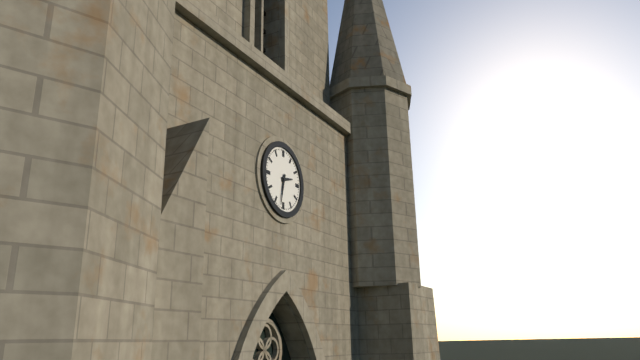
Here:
2 h 32 min
